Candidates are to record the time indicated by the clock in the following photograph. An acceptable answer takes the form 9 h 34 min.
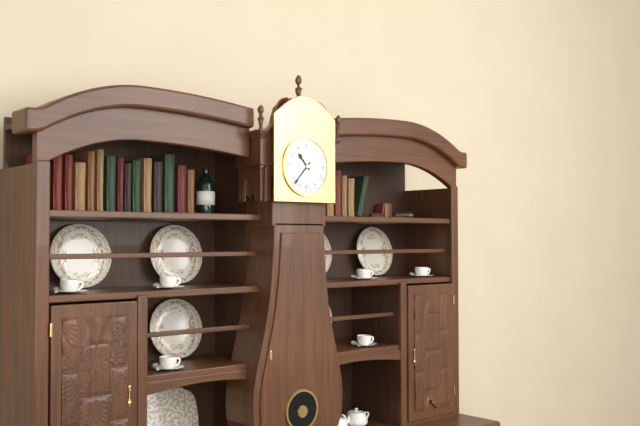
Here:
10 h 37 min
